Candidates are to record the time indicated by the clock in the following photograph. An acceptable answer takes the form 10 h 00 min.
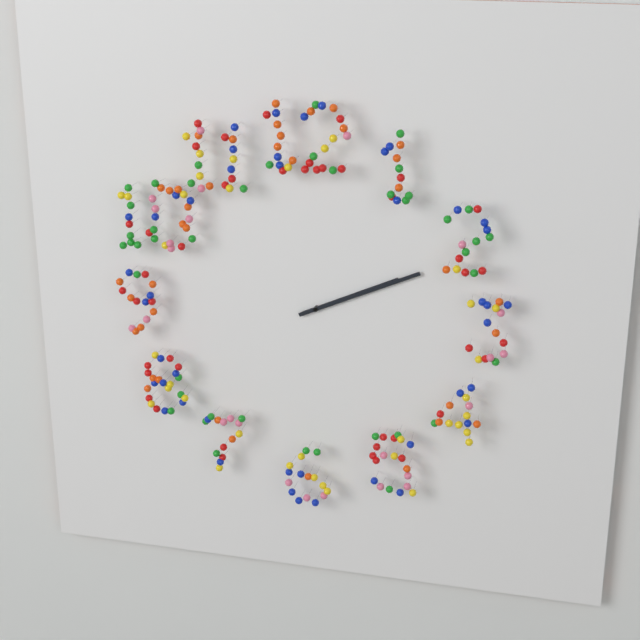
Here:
2 h 11 min
